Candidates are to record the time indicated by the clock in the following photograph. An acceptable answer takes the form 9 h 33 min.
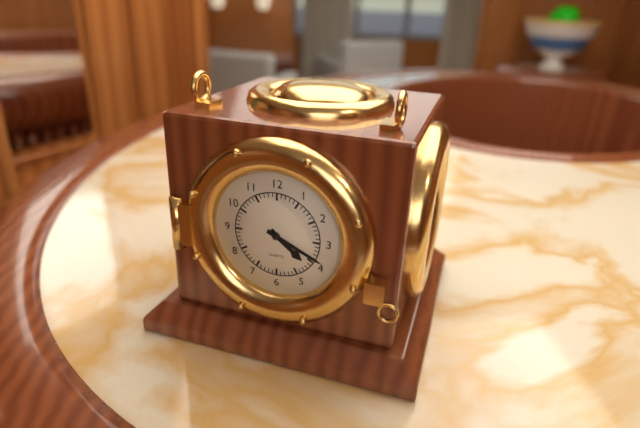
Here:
4 h 19 min
